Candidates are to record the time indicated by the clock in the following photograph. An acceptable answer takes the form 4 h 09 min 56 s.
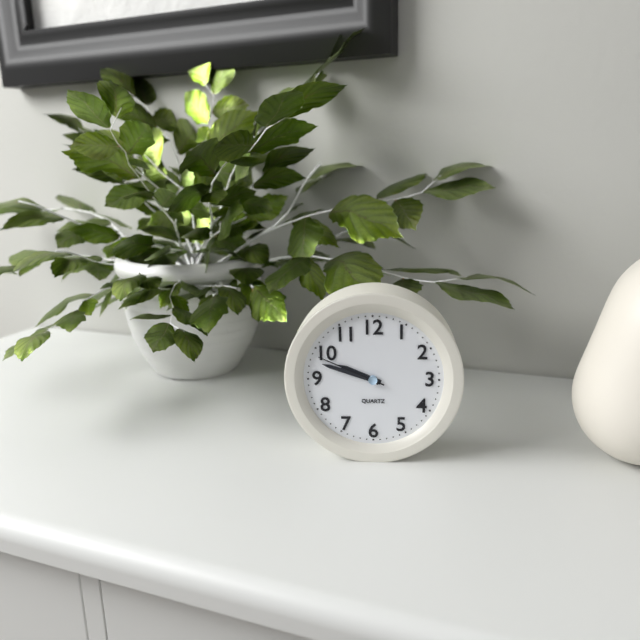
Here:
9 h 48 min 49 s
